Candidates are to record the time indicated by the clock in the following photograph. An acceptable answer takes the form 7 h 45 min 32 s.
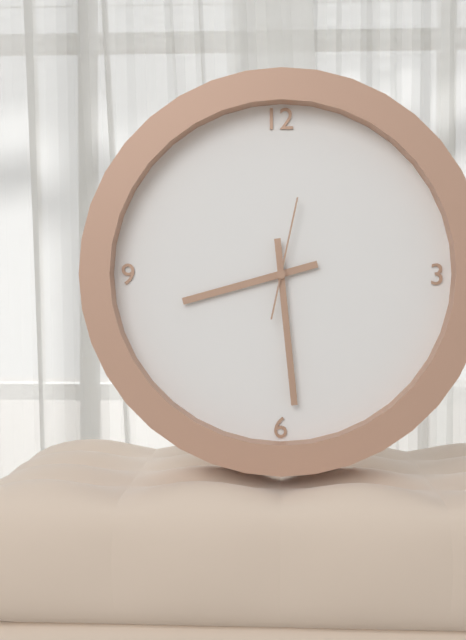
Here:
8 h 29 min 02 s
